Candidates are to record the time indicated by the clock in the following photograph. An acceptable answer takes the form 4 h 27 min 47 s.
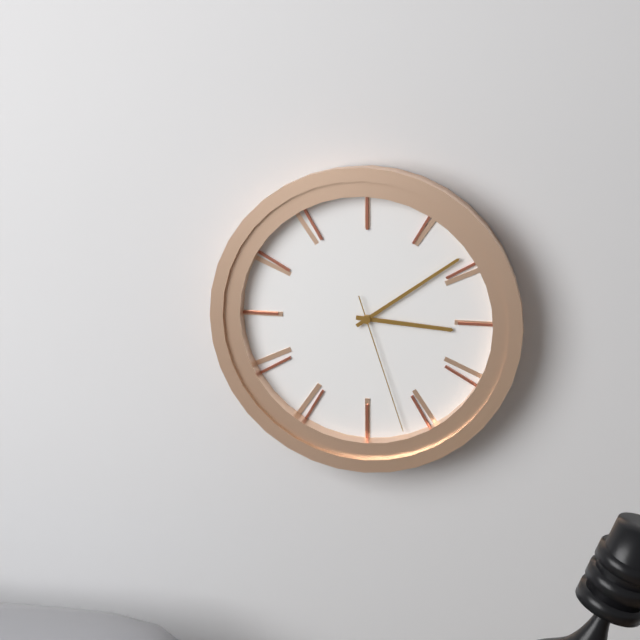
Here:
3 h 09 min 27 s
